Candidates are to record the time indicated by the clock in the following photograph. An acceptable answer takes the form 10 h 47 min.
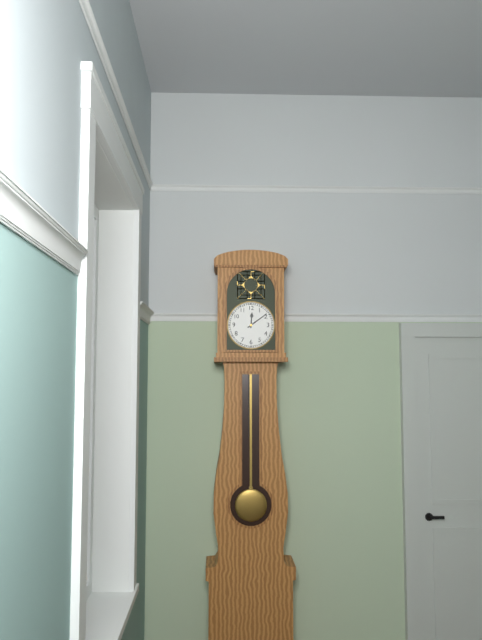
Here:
12 h 09 min
